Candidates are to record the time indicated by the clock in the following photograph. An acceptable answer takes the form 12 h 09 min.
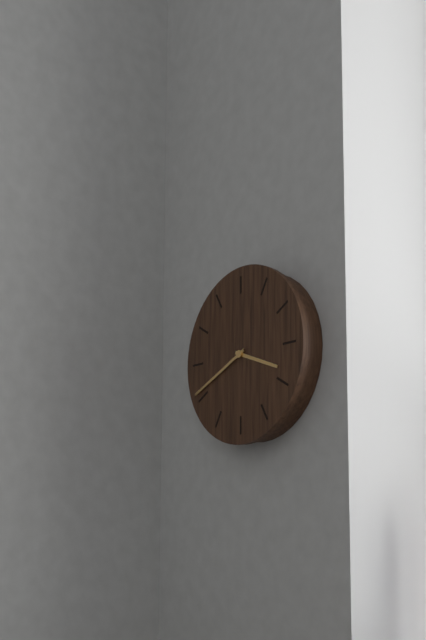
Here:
3 h 41 min
